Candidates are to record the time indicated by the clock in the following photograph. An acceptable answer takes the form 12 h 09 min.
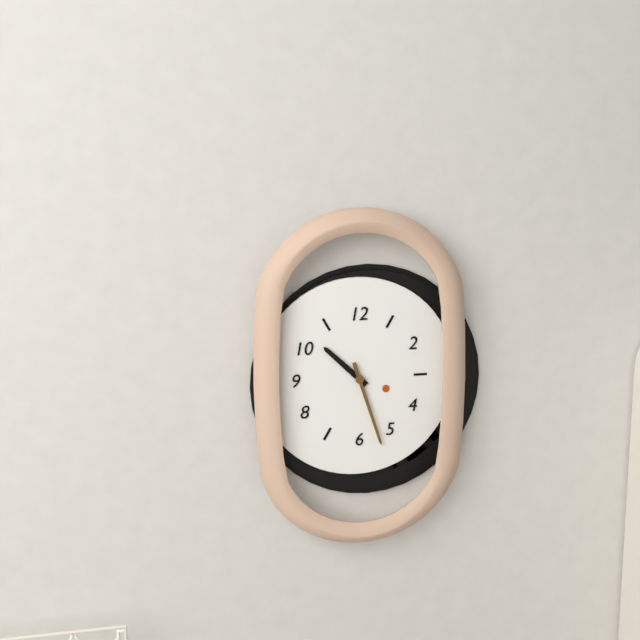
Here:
10 h 27 min
